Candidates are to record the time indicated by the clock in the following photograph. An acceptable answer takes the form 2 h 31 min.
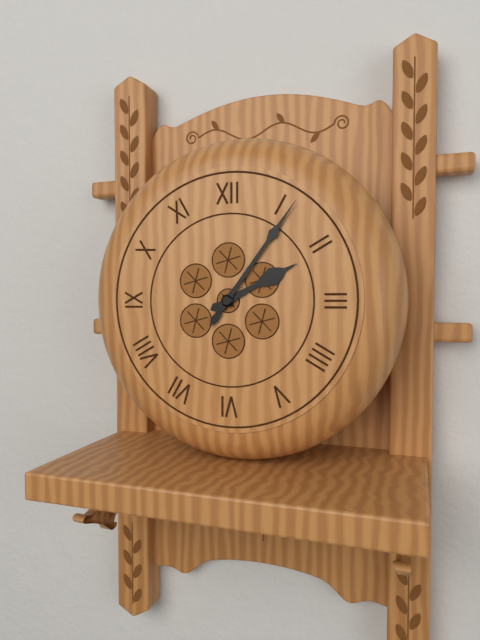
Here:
2 h 06 min
